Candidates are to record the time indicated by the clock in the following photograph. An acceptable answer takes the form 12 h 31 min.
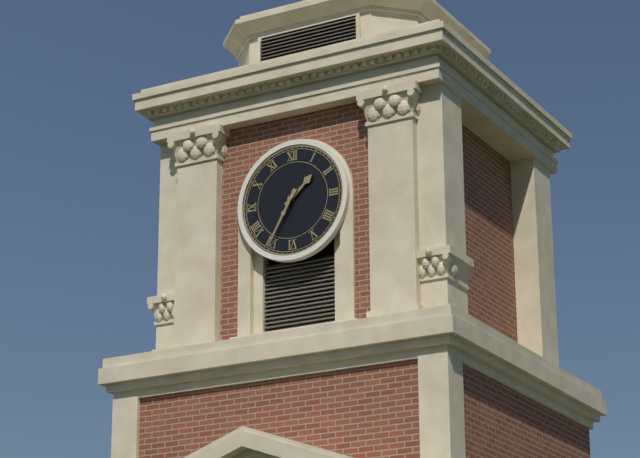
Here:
1 h 35 min
